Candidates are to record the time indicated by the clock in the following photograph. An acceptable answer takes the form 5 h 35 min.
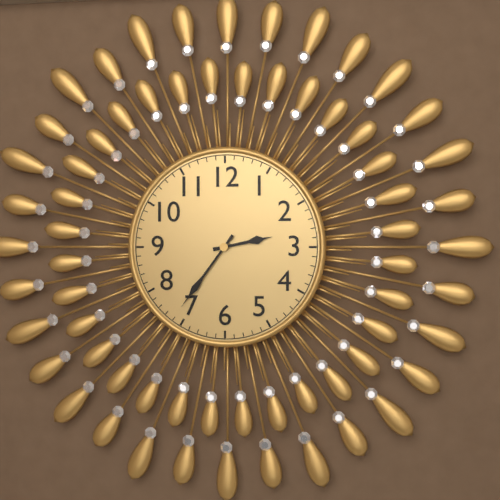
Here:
2 h 36 min
